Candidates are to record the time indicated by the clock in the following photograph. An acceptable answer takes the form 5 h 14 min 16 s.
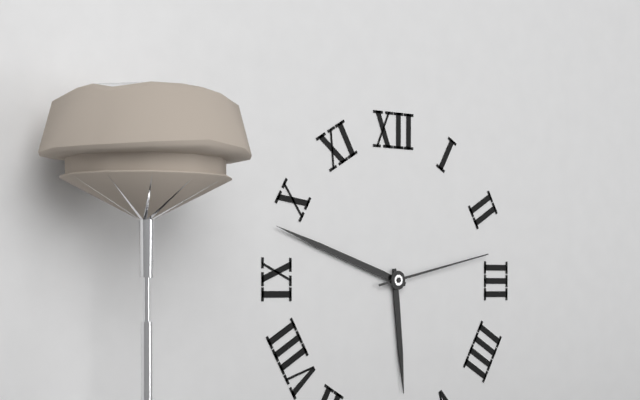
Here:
5 h 48 min 13 s
